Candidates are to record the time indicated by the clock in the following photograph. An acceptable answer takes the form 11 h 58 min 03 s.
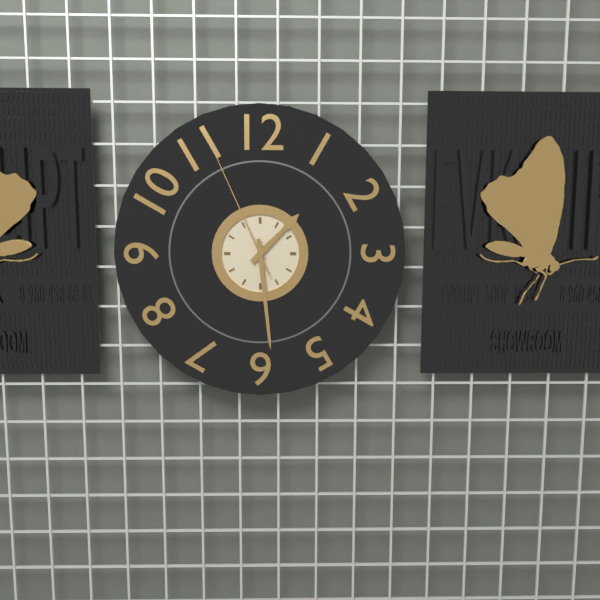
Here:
1 h 29 min 56 s
